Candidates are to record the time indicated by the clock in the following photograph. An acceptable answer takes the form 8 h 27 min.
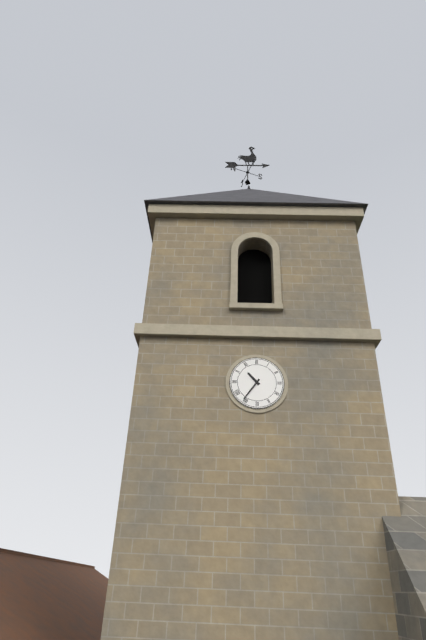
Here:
10 h 36 min
